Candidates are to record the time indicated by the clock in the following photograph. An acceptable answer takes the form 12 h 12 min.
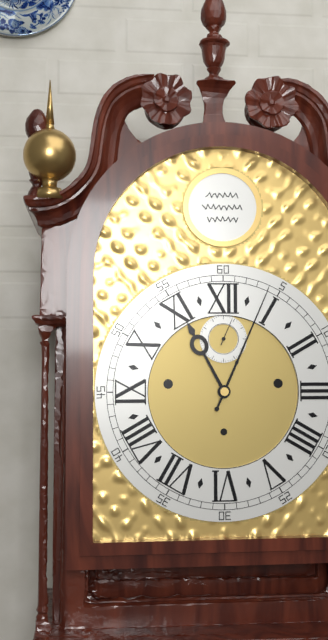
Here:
11 h 04 min
